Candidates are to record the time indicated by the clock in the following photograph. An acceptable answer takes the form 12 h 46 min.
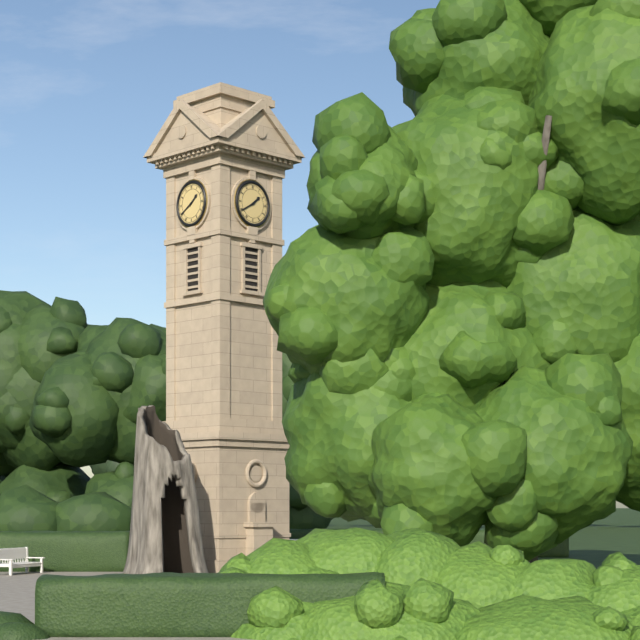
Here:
1 h 40 min
